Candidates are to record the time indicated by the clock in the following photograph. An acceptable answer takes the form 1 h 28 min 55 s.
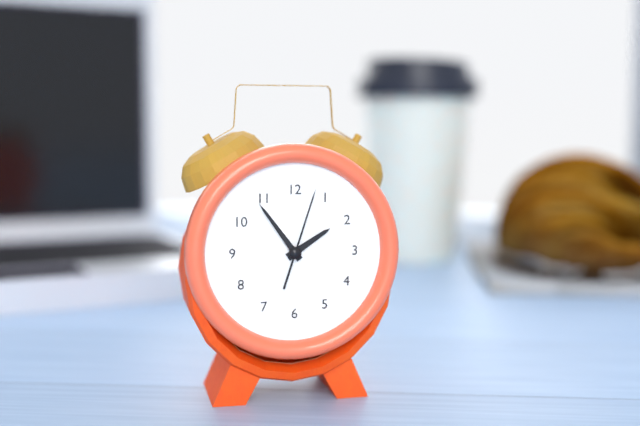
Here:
1 h 54 min 03 s
